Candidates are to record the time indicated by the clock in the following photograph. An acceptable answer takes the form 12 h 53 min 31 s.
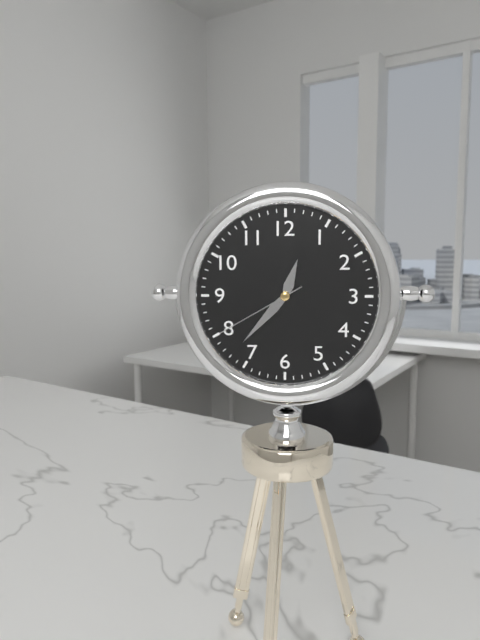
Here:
12 h 37 min 40 s
